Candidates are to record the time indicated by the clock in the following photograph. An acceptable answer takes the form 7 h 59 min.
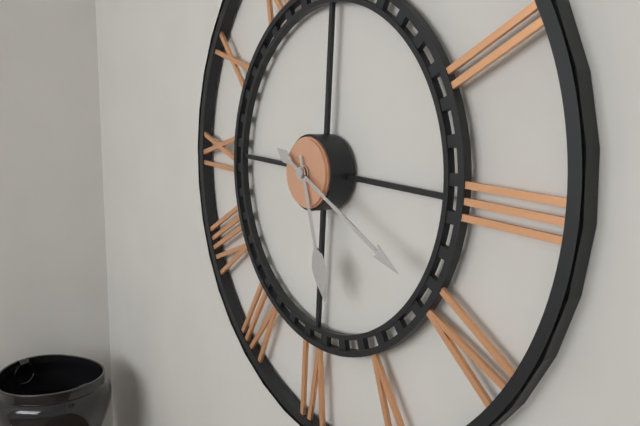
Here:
5 h 19 min
